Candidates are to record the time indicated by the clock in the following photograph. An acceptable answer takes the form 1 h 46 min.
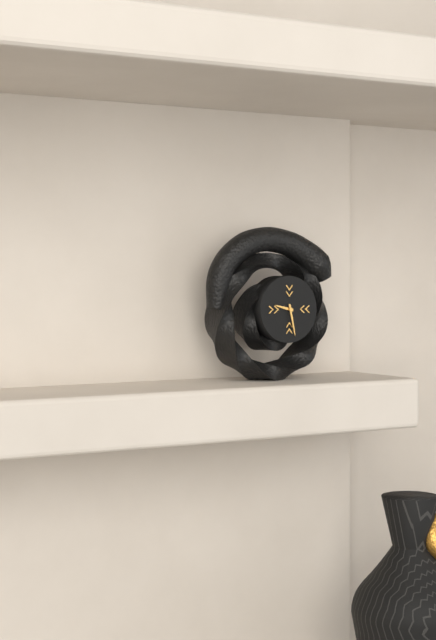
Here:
9 h 28 min
